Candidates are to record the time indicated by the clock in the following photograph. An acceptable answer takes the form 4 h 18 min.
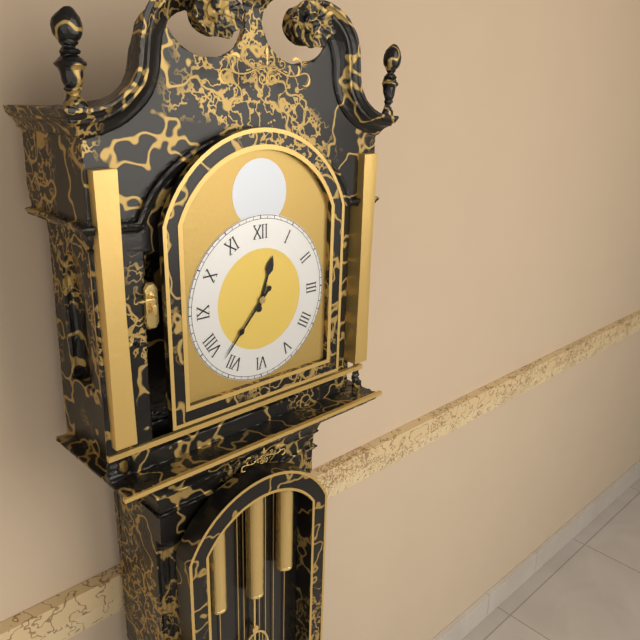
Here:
12 h 37 min
